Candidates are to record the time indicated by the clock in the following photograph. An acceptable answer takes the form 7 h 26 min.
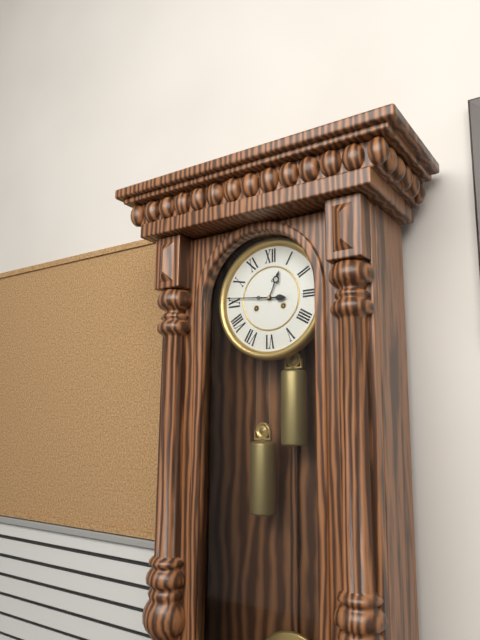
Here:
12 h 46 min
